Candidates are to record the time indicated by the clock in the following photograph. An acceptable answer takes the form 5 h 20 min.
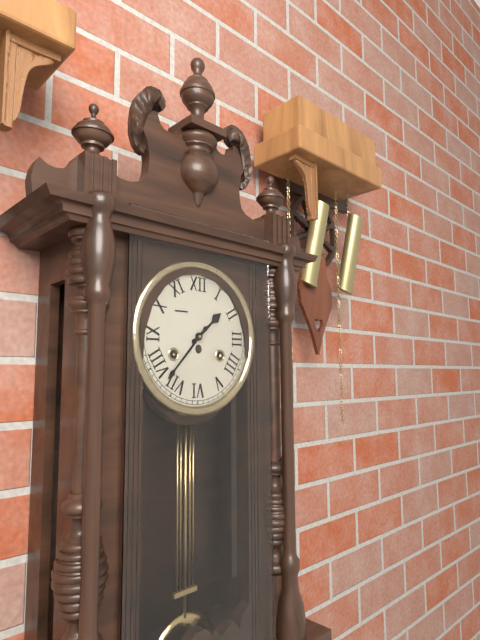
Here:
1 h 37 min
